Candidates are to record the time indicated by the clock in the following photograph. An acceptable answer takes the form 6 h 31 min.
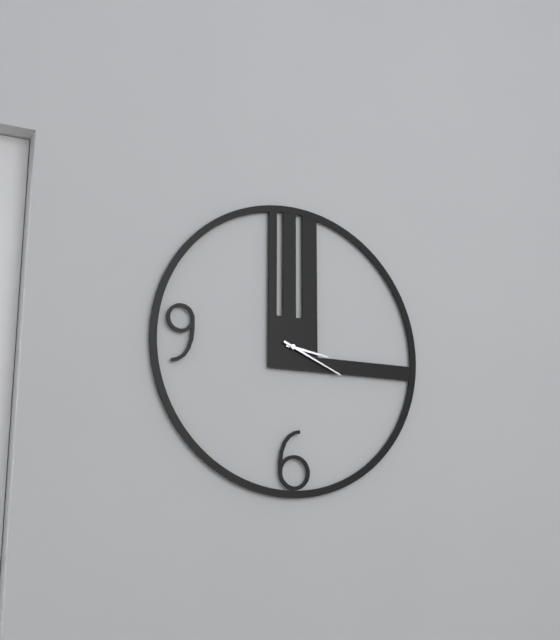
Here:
3 h 19 min
